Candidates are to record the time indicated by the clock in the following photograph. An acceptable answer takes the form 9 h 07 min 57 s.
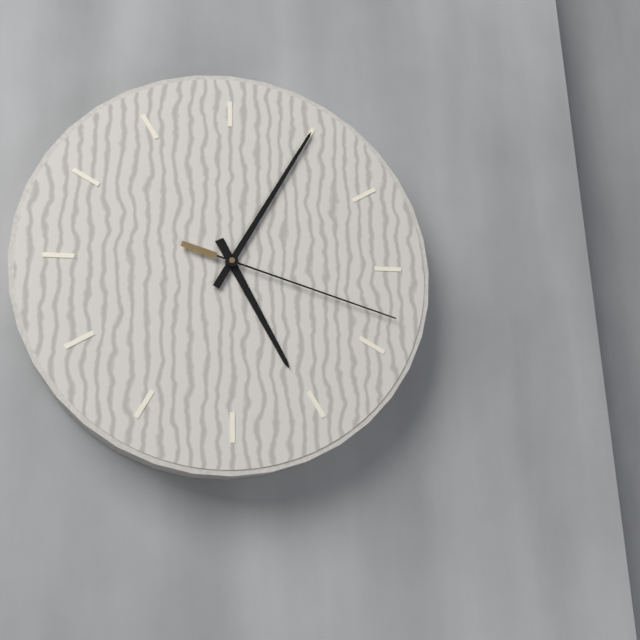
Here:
5 h 05 min 18 s
